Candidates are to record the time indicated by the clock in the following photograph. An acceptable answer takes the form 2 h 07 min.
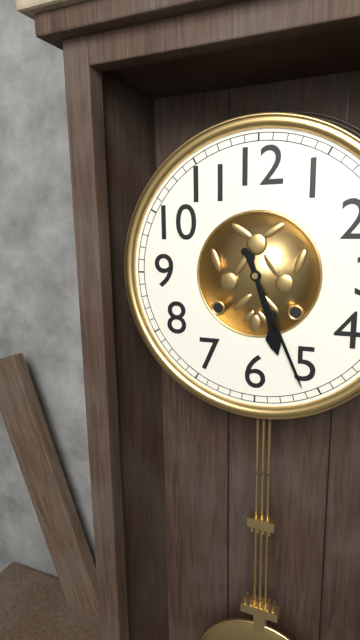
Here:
5 h 26 min
